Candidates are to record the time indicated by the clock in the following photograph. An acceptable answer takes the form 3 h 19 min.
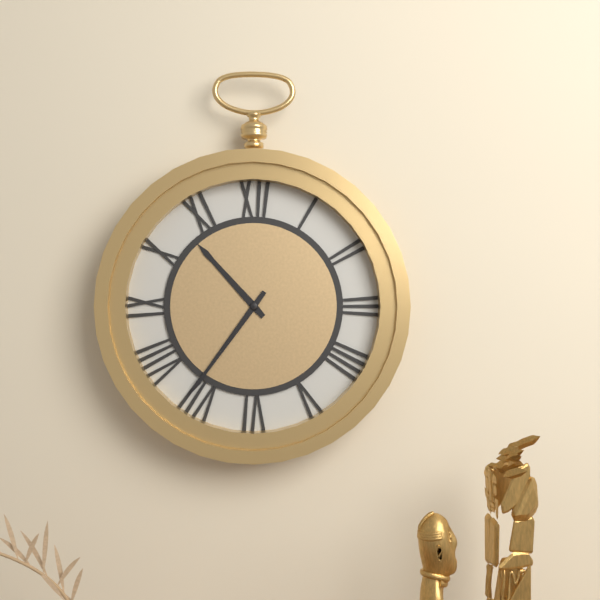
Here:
10 h 36 min
